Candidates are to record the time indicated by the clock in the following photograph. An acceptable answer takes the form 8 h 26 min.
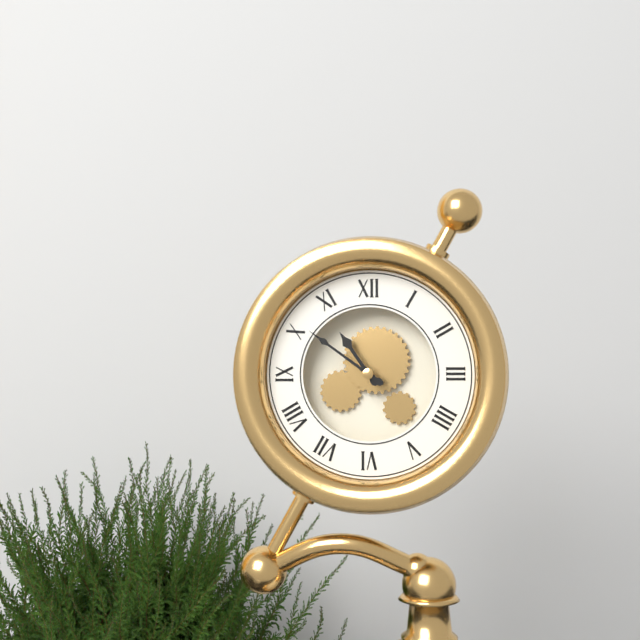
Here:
10 h 51 min
